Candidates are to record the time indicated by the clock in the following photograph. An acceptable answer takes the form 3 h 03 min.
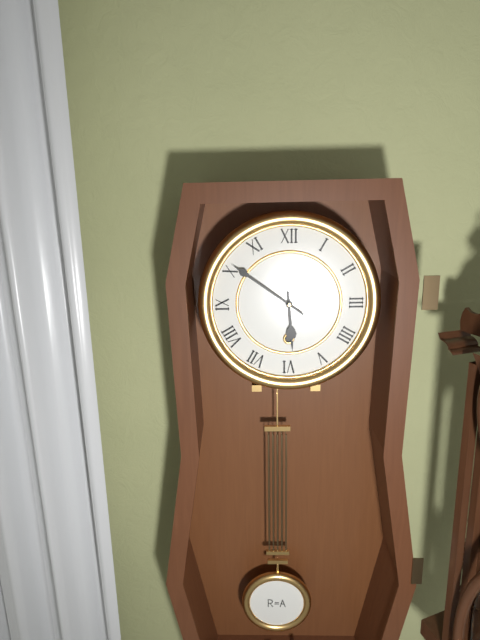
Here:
5 h 51 min
